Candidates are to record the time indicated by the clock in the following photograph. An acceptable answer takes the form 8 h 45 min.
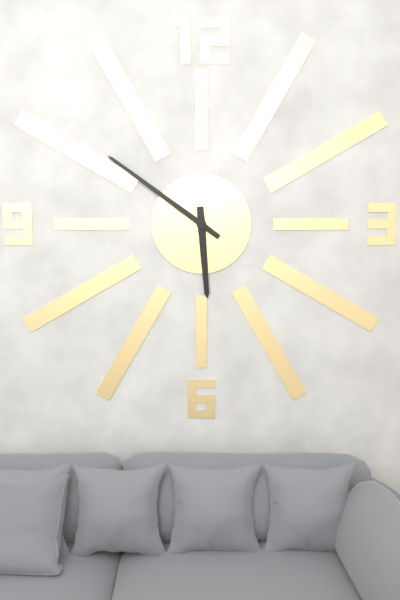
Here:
5 h 51 min
